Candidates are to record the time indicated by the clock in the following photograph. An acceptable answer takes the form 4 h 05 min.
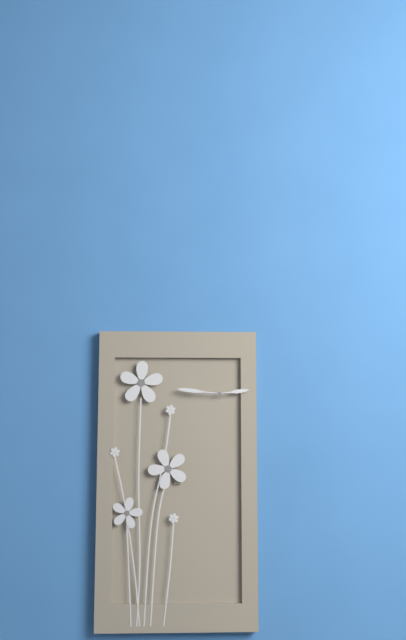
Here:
2 h 46 min
